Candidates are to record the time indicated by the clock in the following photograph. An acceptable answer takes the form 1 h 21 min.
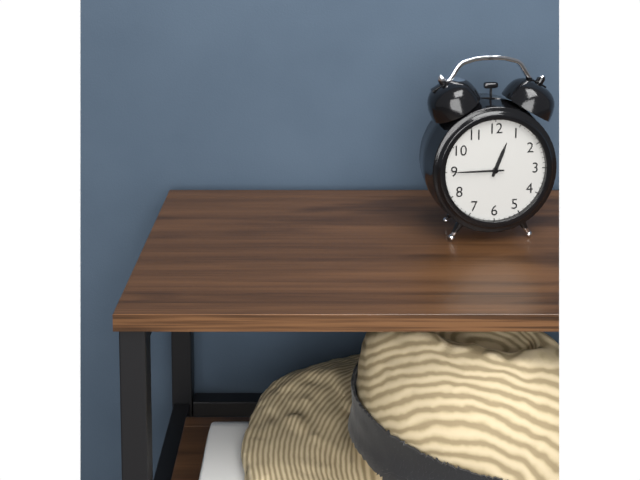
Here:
12 h 45 min
